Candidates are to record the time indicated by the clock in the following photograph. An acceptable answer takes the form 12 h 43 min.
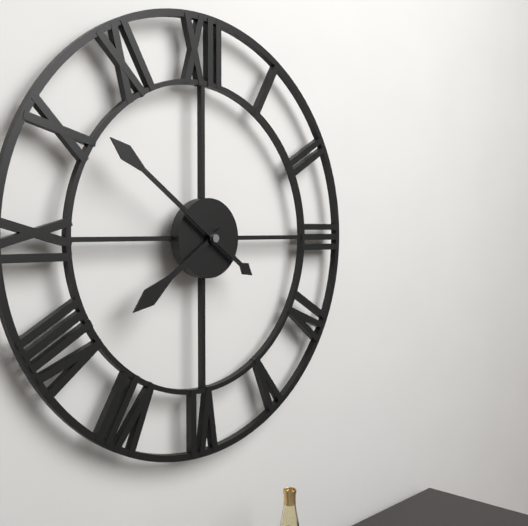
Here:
7 h 51 min
